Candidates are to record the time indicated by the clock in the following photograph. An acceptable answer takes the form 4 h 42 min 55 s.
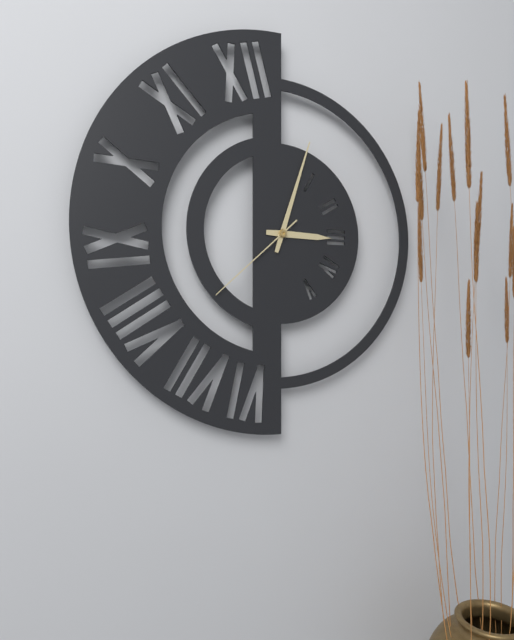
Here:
3 h 03 min 38 s
